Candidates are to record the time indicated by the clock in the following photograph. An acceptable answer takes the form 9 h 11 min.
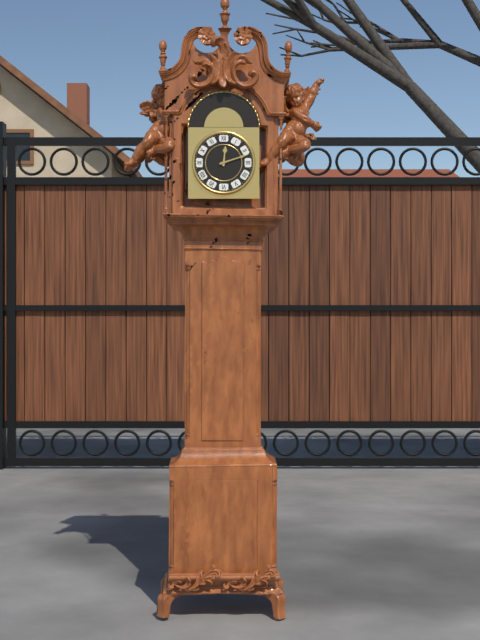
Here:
12 h 12 min
